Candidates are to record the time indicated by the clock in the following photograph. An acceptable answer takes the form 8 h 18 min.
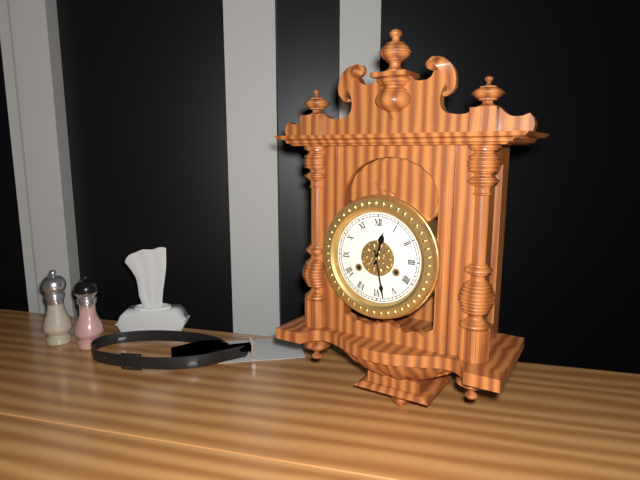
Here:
12 h 28 min
